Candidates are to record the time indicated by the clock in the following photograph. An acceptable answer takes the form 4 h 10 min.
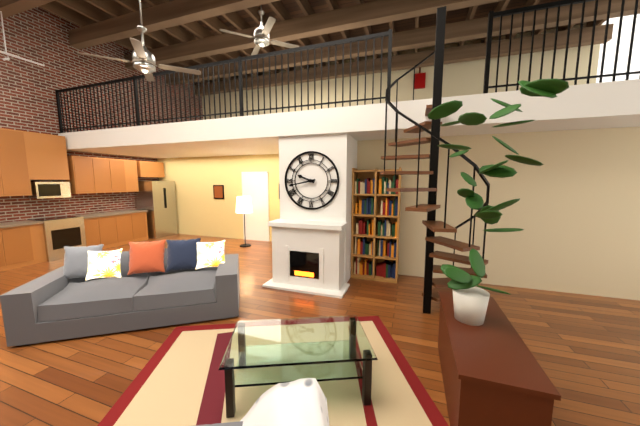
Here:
9 h 43 min
